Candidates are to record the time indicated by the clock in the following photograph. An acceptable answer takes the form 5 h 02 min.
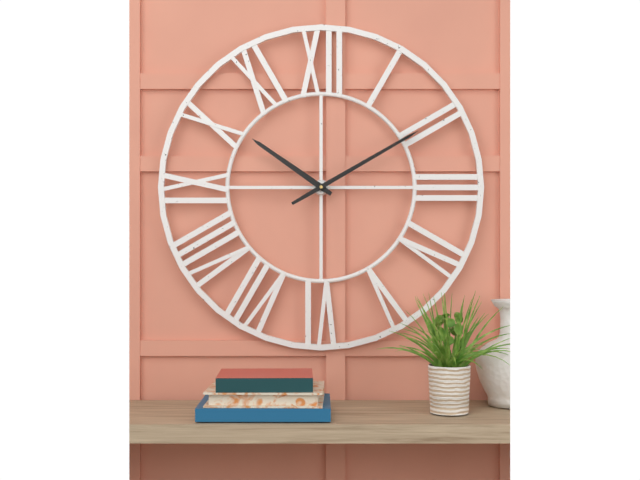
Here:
10 h 10 min
